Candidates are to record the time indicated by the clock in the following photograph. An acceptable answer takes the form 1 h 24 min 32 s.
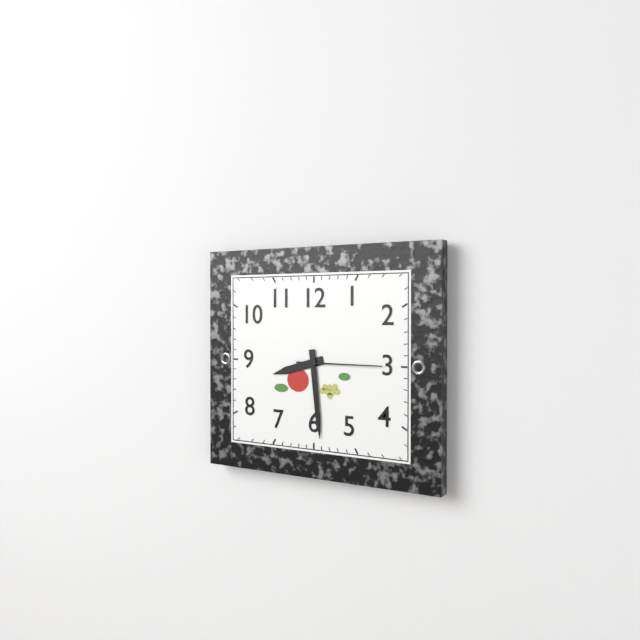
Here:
8 h 29 min 15 s
